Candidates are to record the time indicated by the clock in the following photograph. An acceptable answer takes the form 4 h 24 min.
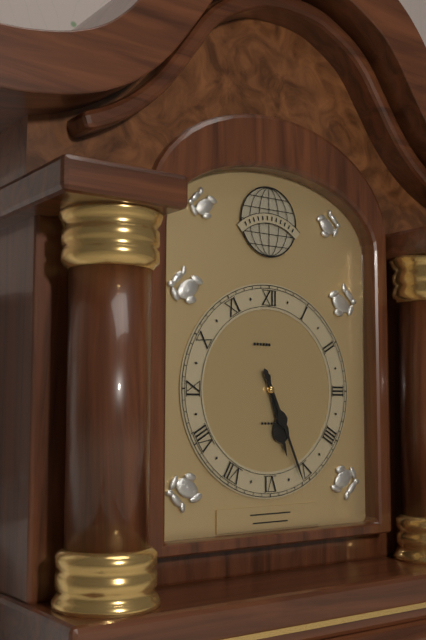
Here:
5 h 26 min
